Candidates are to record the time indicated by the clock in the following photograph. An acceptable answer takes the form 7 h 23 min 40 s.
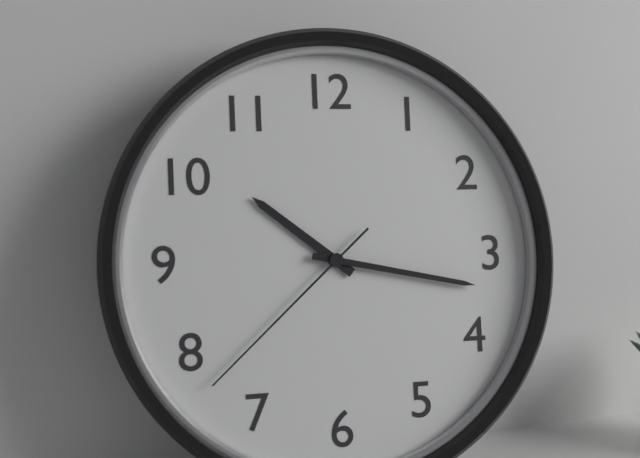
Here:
10 h 17 min 38 s
